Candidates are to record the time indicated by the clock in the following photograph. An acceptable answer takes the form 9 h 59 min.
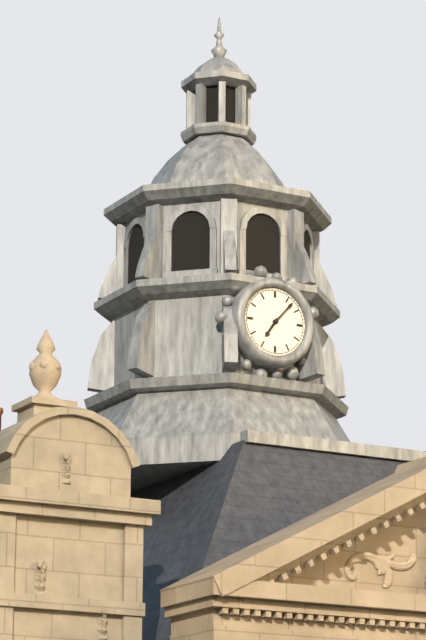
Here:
7 h 07 min
